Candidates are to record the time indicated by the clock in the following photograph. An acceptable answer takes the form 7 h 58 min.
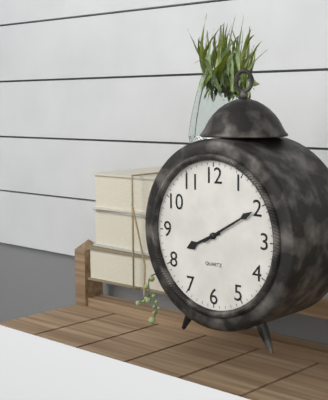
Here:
8 h 10 min
